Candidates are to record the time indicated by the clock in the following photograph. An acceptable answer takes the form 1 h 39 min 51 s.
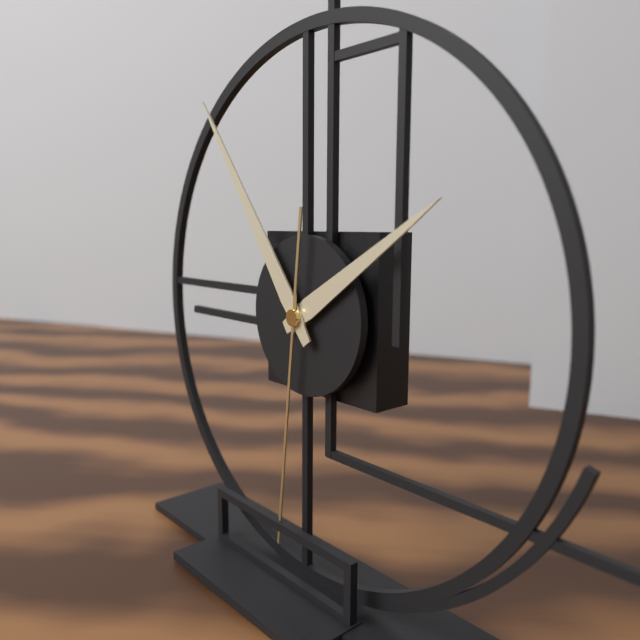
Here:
1 h 54 min 31 s
